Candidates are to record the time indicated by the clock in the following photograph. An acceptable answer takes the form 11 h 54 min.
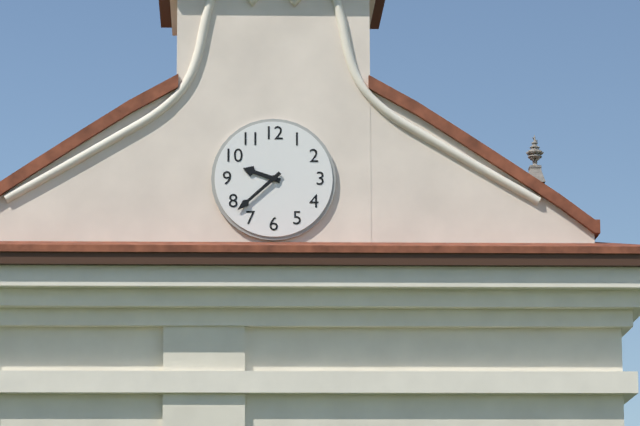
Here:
9 h 38 min
